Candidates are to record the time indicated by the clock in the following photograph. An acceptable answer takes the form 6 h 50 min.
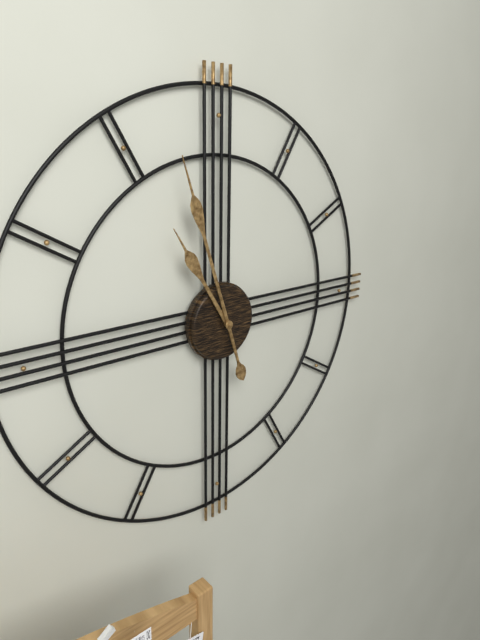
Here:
10 h 57 min
